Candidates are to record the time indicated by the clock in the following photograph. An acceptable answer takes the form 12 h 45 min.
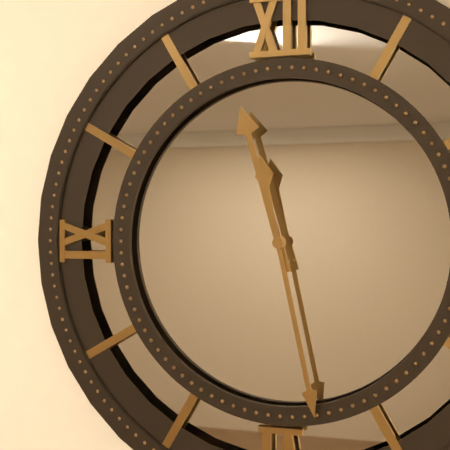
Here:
11 h 28 min
